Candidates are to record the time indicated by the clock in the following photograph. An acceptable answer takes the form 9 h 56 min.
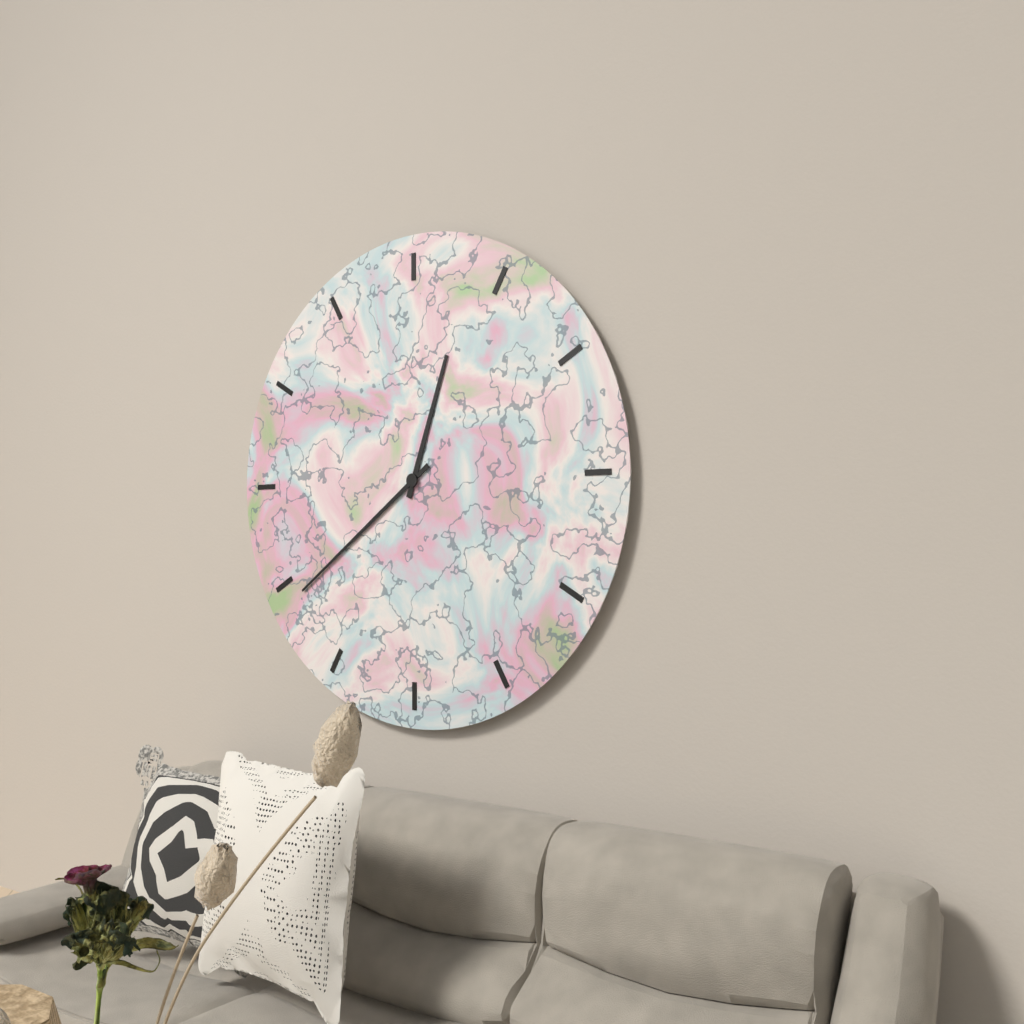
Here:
12 h 39 min
